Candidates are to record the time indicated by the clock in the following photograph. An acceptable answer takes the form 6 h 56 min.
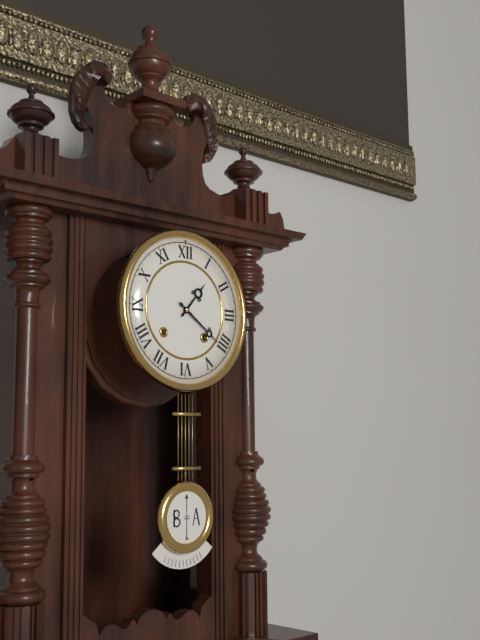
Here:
1 h 21 min
